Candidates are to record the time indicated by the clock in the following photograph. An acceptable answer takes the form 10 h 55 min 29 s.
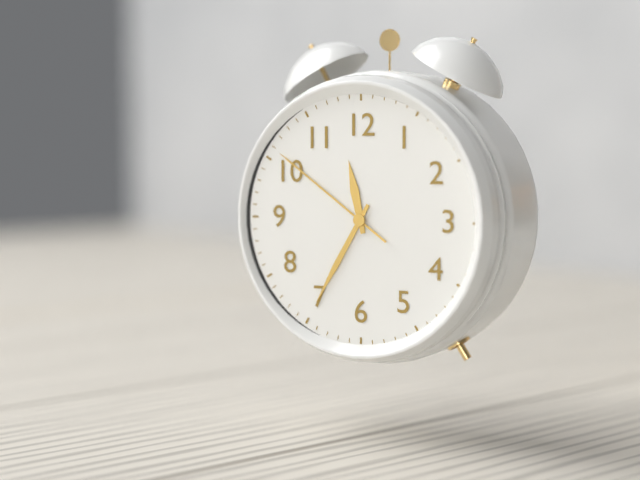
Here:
11 h 35 min 51 s
